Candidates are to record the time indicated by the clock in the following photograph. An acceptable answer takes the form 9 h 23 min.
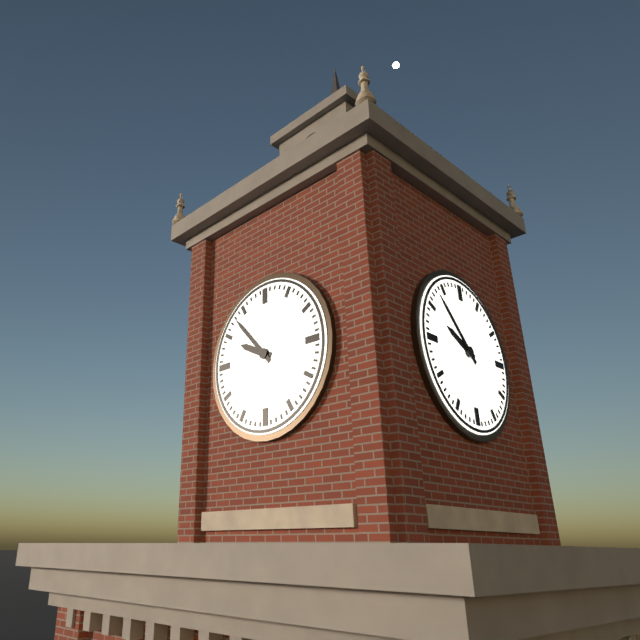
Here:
9 h 53 min
